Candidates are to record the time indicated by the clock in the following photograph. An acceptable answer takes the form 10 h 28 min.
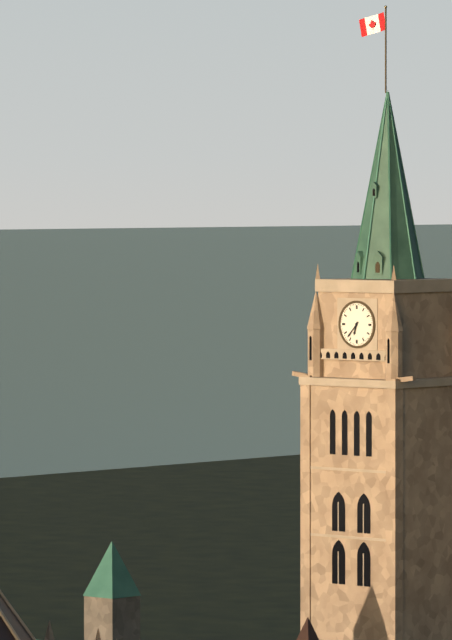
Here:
6 h 37 min
